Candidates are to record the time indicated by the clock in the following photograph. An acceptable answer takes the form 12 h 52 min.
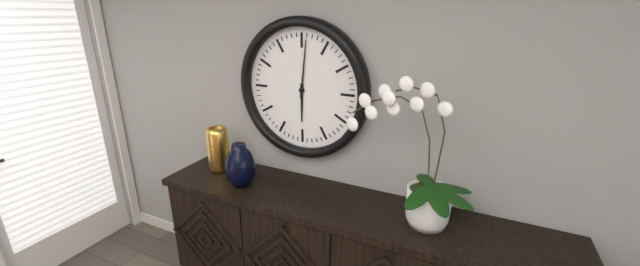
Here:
6 h 01 min
